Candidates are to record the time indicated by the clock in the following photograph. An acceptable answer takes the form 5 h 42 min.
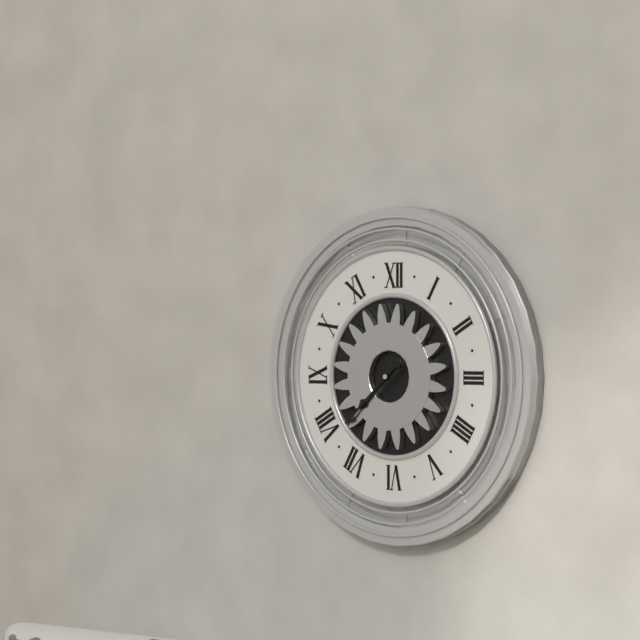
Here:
7 h 38 min
